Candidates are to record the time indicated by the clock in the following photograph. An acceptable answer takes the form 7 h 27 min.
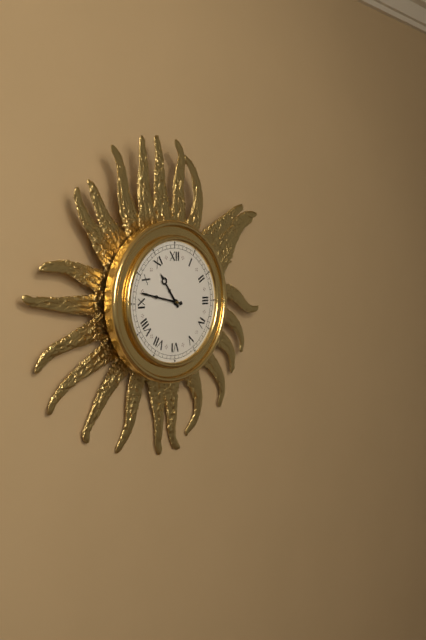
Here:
10 h 47 min
